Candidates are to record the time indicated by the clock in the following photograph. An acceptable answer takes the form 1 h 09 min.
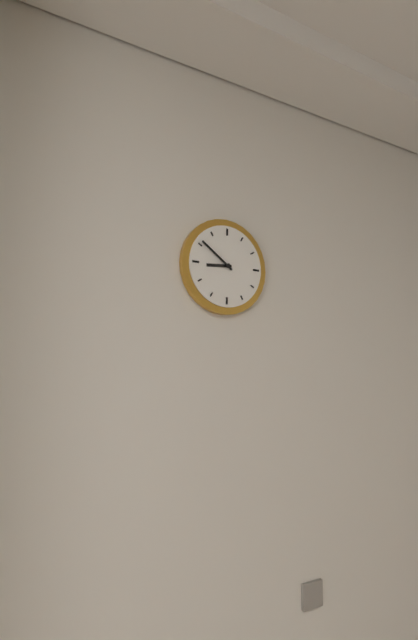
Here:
8 h 51 min
